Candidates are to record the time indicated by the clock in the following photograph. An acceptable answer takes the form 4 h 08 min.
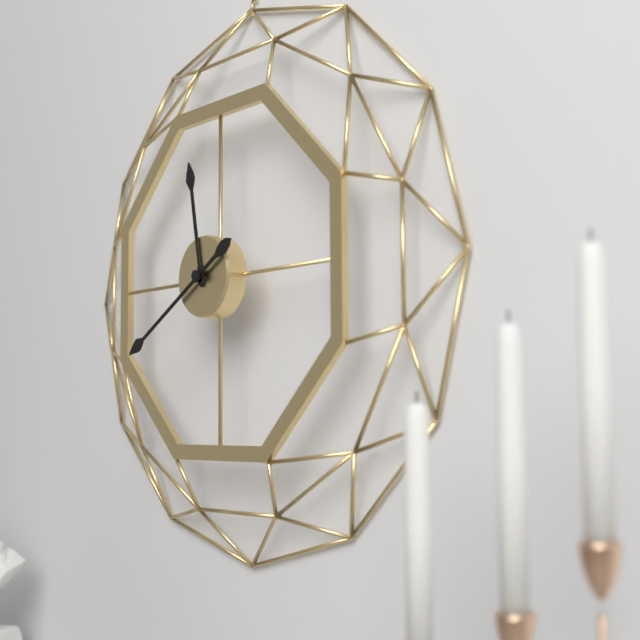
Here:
11 h 40 min
